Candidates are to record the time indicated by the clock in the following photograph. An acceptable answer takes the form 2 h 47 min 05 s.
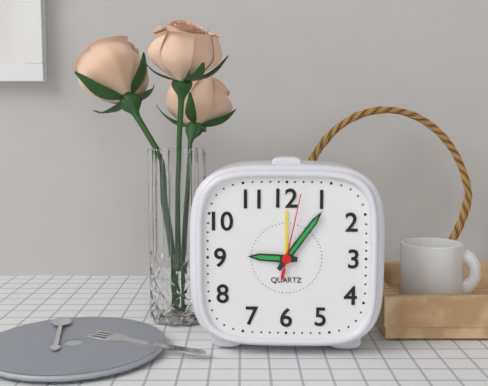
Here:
9 h 06 min 02 s
